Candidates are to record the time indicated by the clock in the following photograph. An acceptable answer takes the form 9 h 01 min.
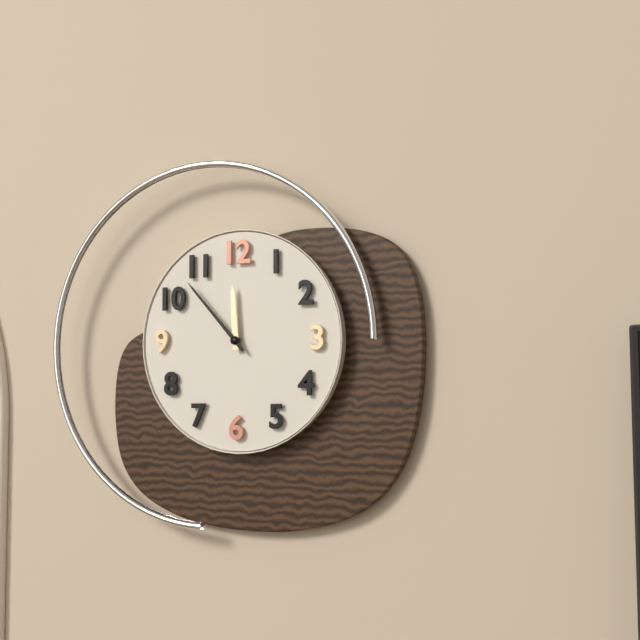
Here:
11 h 53 min
